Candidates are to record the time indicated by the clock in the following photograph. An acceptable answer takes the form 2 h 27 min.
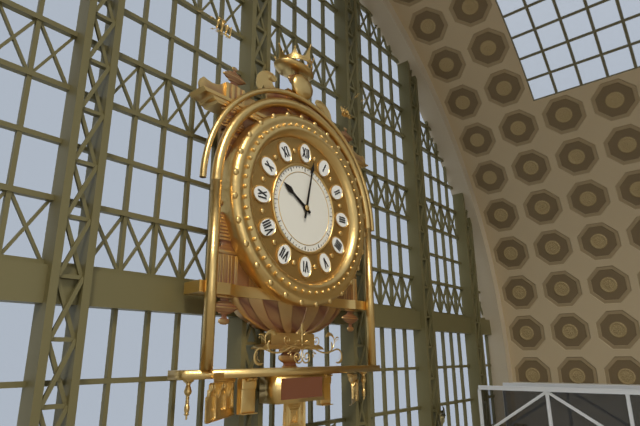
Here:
10 h 02 min
